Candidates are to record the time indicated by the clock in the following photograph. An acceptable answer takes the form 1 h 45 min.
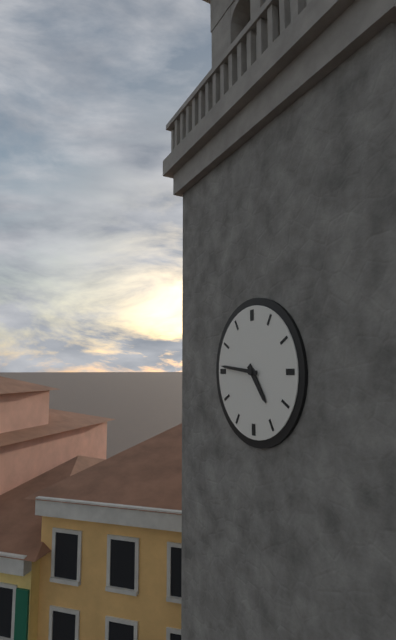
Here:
4 h 46 min
